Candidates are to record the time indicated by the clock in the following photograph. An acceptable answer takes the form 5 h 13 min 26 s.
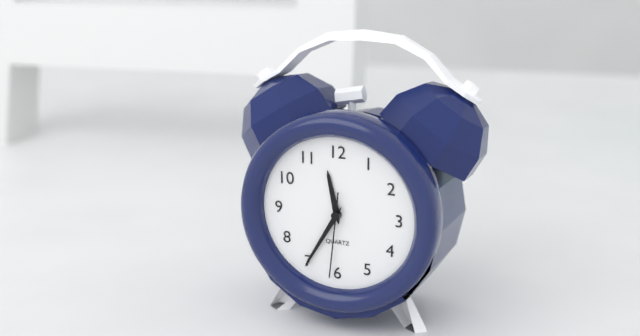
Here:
11 h 35 min 31 s
